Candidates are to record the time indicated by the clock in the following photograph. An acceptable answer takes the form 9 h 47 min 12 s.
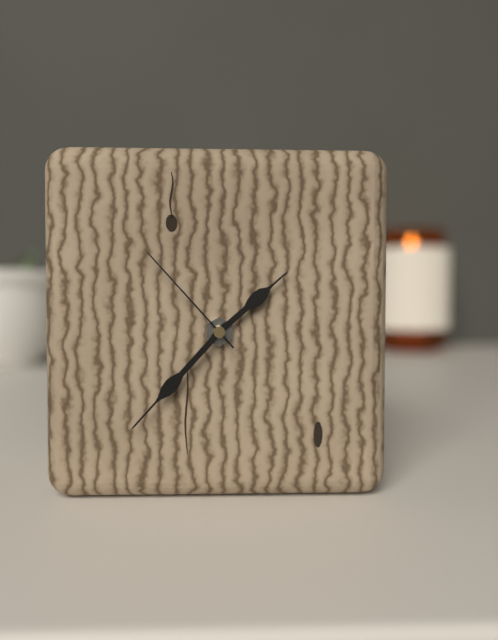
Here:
1 h 37 min 53 s
